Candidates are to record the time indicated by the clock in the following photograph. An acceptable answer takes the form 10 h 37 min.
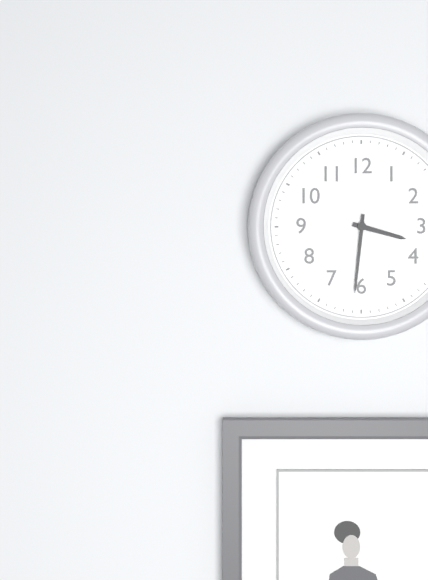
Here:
3 h 31 min
